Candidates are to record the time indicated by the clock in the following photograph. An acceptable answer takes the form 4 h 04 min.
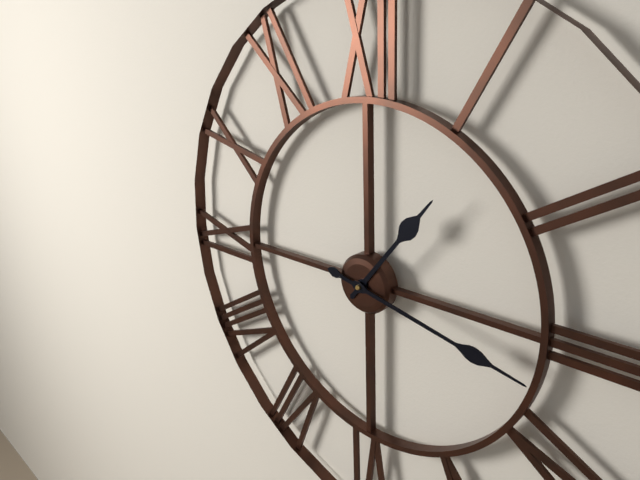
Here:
1 h 17 min
